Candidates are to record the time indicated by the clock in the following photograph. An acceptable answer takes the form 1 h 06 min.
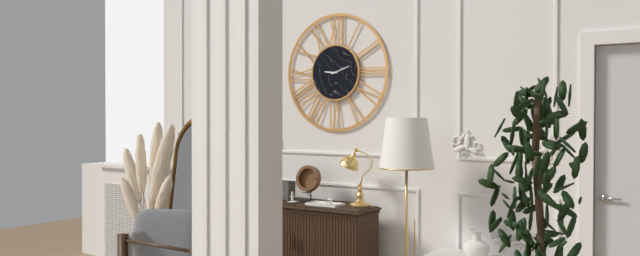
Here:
9 h 12 min
